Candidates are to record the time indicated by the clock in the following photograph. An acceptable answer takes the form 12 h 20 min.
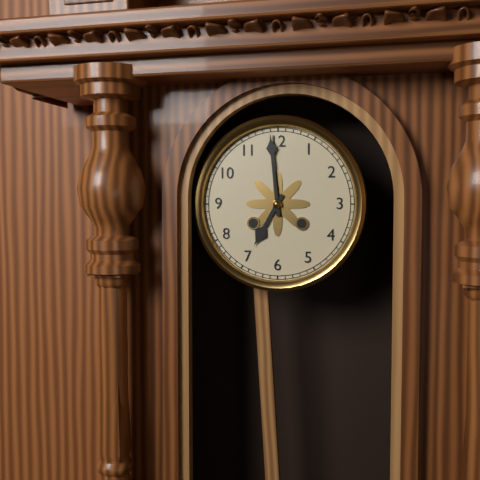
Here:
6 h 59 min
